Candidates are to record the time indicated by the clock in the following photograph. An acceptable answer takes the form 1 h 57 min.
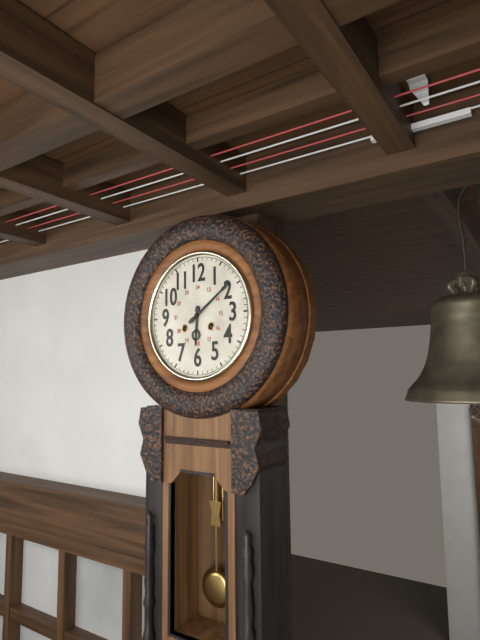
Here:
6 h 09 min
